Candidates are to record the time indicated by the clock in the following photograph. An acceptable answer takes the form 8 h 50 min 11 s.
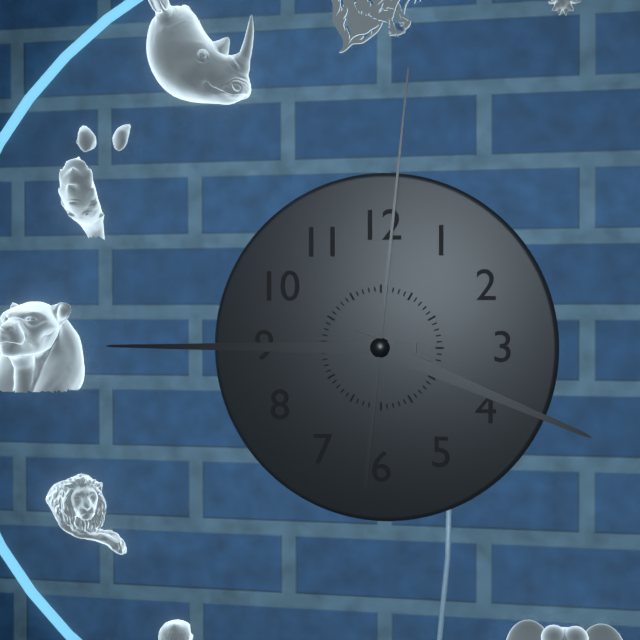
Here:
3 h 45 min 01 s
